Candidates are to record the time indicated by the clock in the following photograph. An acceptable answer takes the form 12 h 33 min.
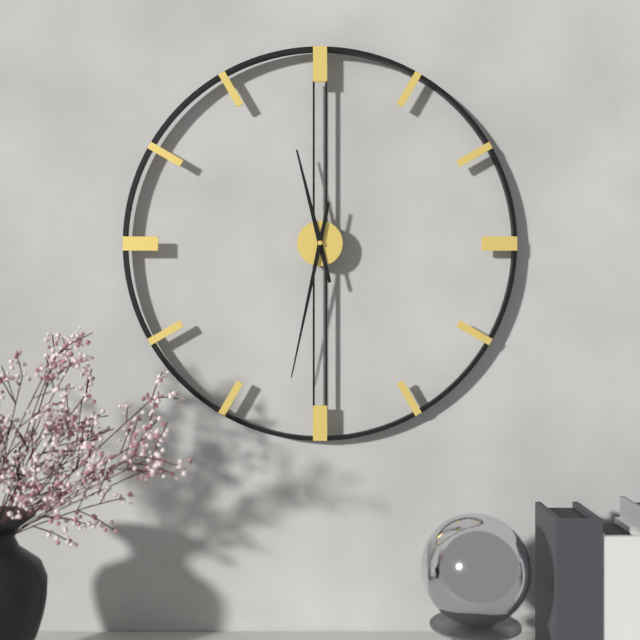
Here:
11 h 32 min
